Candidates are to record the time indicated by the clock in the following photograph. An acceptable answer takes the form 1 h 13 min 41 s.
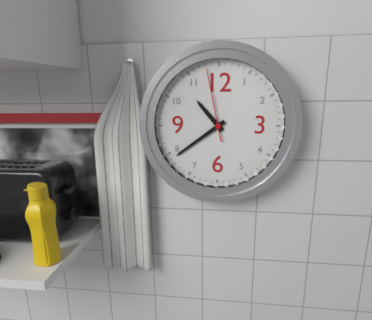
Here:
10 h 39 min 58 s
